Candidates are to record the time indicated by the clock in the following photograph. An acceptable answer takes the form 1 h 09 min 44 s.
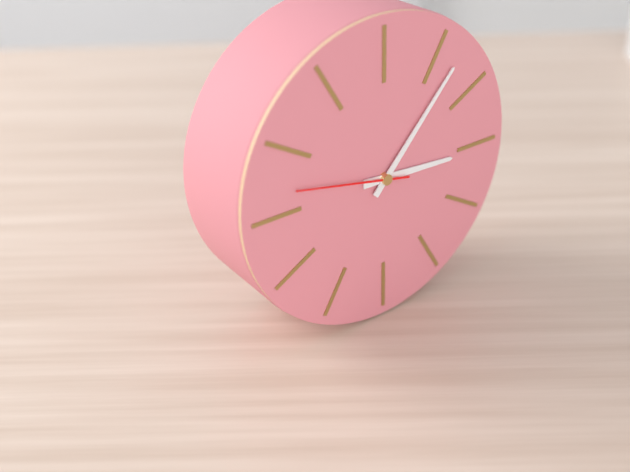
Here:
3 h 07 min 47 s
